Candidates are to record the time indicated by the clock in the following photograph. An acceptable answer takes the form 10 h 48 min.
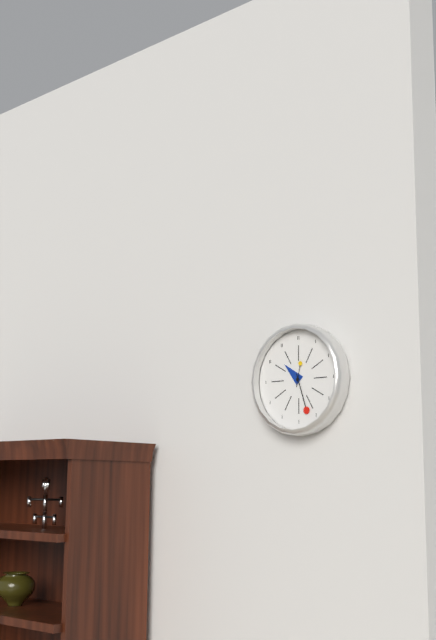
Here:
10 h 27 min
